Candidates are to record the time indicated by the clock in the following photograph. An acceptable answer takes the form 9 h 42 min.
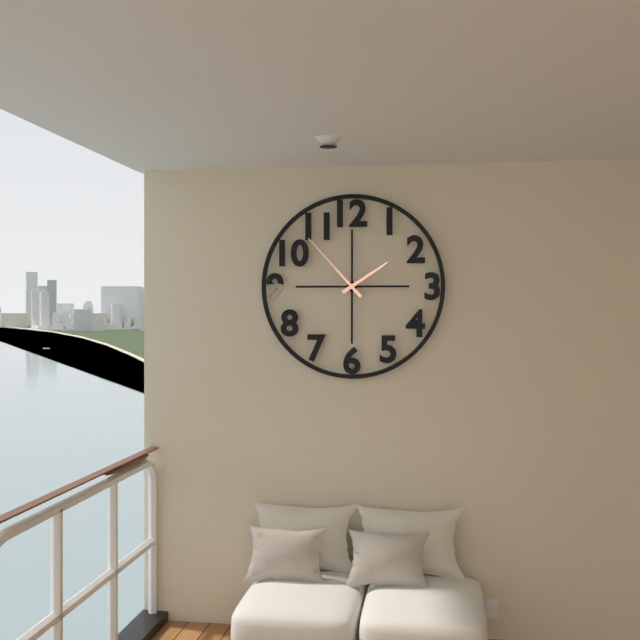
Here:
1 h 53 min
